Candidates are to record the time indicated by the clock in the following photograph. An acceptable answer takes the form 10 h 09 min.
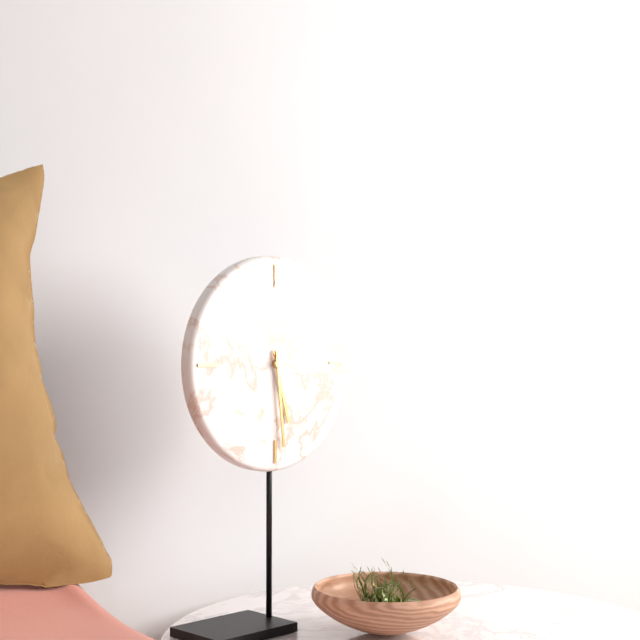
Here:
5 h 29 min
